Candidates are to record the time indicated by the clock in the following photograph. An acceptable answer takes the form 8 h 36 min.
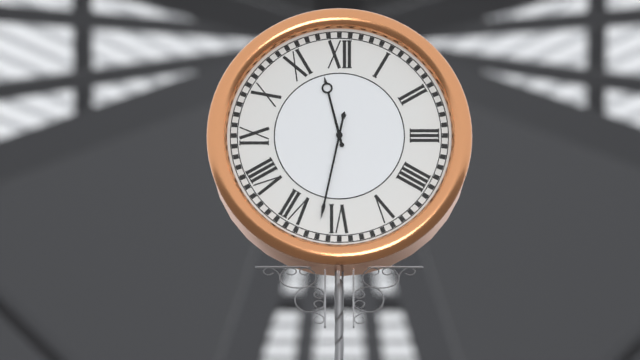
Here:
11 h 32 min
